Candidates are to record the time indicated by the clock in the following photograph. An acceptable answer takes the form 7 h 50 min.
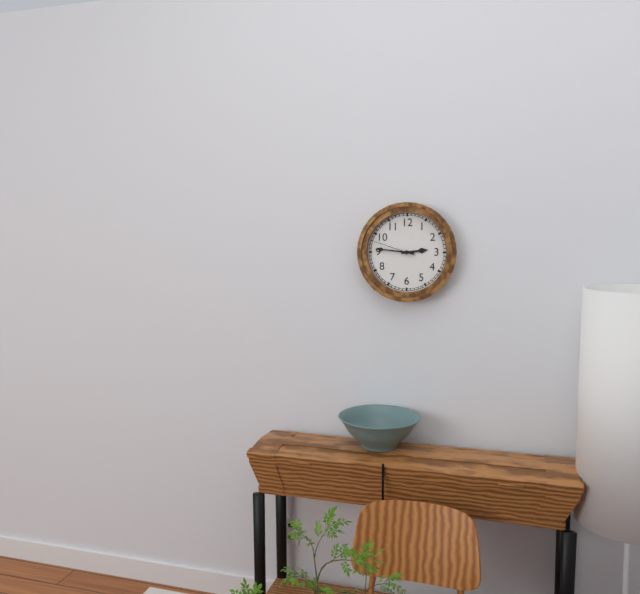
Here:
2 h 46 min
